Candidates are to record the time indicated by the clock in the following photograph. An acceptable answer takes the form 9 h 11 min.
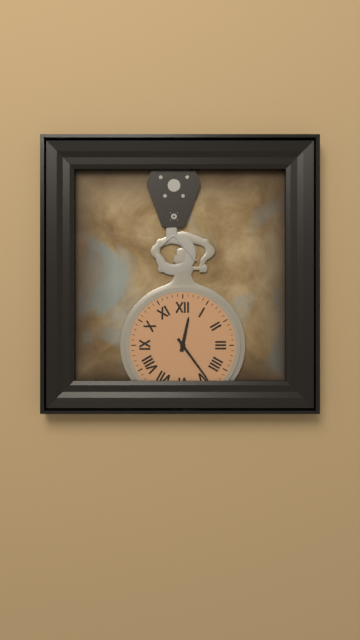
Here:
12 h 24 min
